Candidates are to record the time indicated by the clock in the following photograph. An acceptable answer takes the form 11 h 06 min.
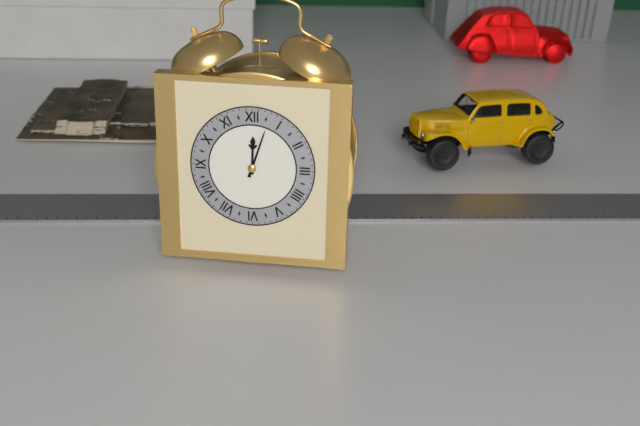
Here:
12 h 03 min
